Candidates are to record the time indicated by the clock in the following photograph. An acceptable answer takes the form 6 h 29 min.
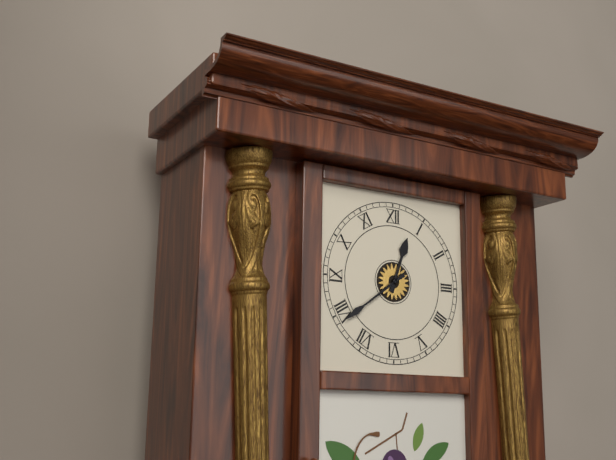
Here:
12 h 39 min
